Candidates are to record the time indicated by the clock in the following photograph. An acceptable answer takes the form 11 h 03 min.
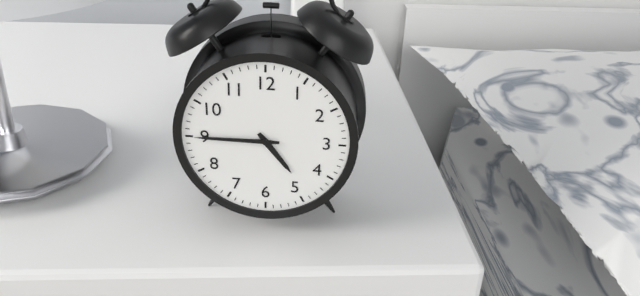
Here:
4 h 45 min
